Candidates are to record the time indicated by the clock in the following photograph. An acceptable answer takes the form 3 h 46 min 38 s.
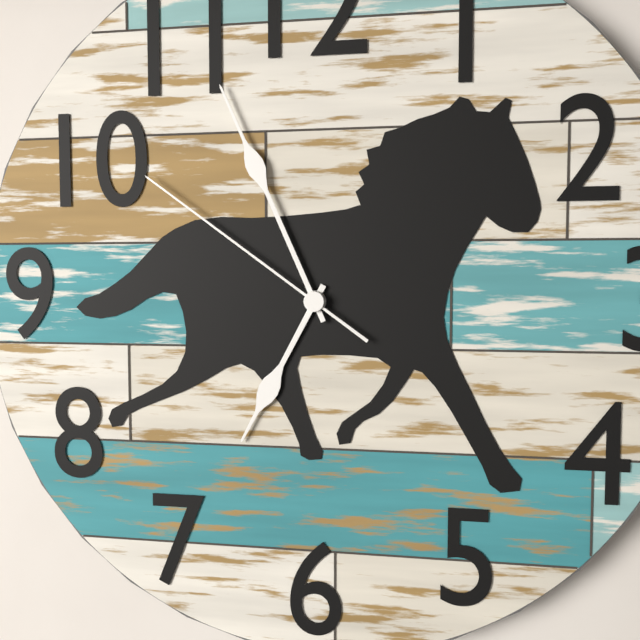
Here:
6 h 56 min 51 s
